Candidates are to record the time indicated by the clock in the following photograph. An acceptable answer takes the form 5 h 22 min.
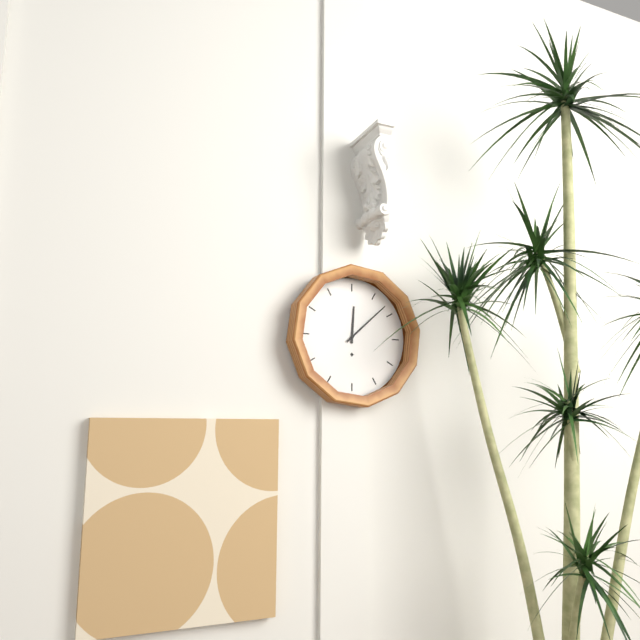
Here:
12 h 08 min
